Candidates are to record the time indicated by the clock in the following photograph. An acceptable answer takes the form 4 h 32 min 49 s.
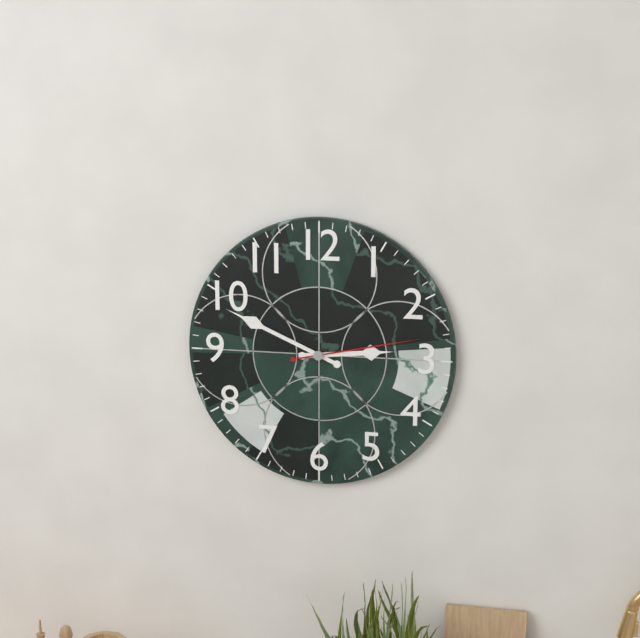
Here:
2 h 49 min 13 s
